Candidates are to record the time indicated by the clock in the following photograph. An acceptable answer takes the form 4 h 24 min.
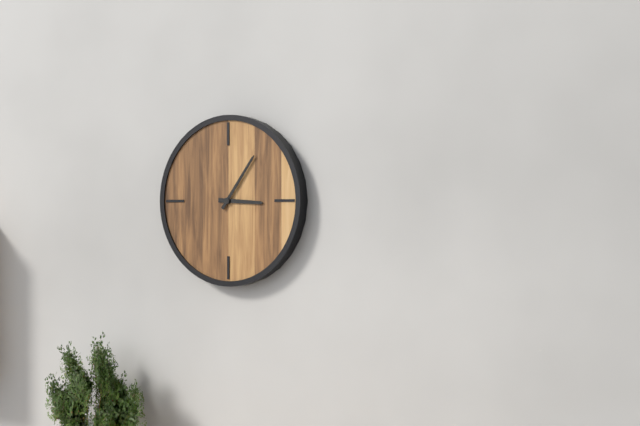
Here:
3 h 06 min
